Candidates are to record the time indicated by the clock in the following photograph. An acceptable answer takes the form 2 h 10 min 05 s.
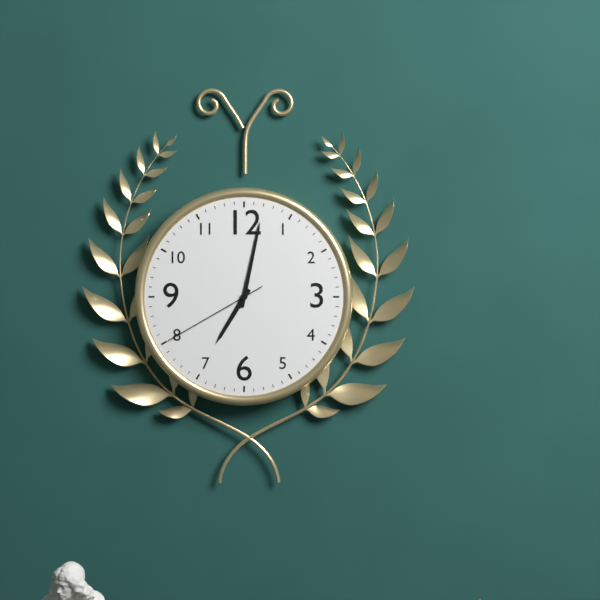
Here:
7 h 02 min 40 s
